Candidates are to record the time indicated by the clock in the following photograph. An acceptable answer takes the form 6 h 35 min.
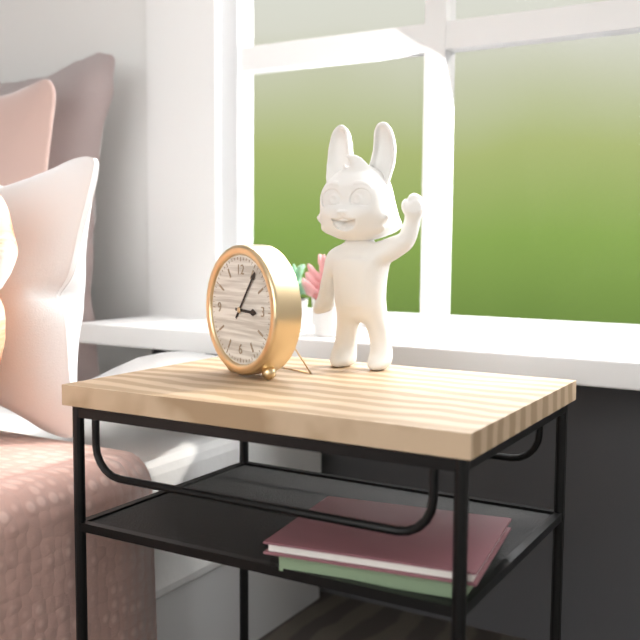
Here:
3 h 06 min
